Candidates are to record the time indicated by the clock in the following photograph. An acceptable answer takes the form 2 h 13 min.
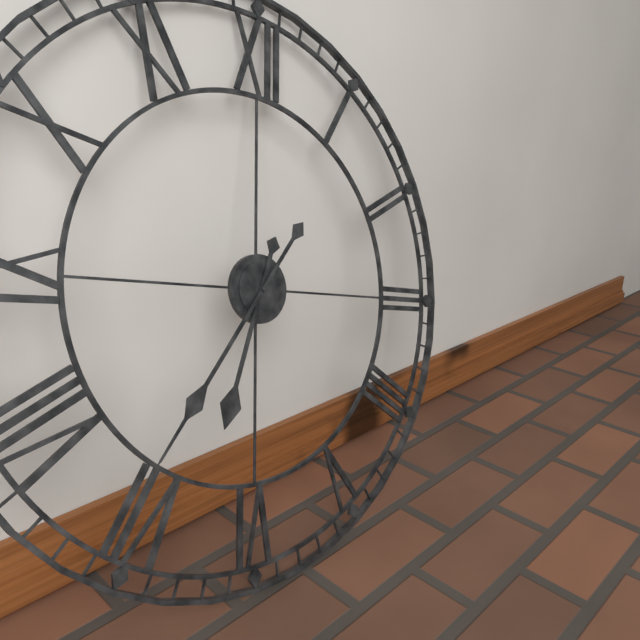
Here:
6 h 36 min
